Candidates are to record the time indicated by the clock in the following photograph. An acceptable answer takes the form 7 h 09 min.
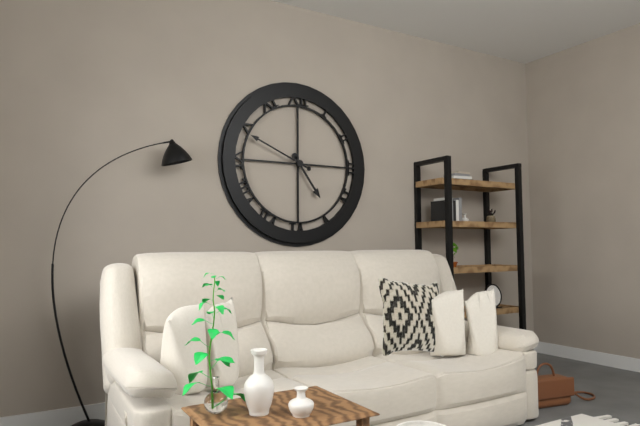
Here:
4 h 49 min
